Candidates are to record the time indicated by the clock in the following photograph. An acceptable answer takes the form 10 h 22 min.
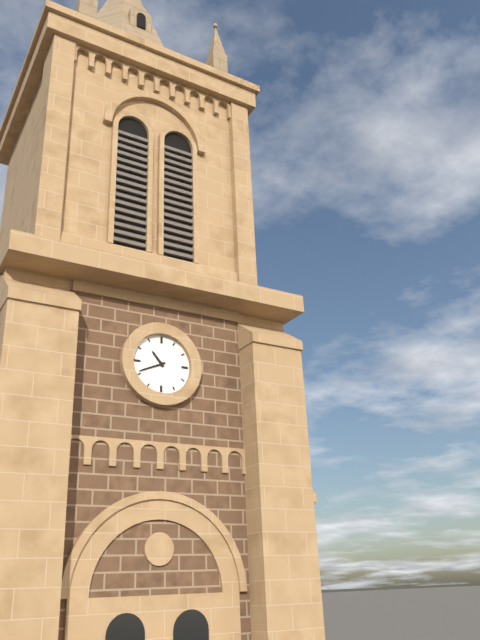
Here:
10 h 41 min
